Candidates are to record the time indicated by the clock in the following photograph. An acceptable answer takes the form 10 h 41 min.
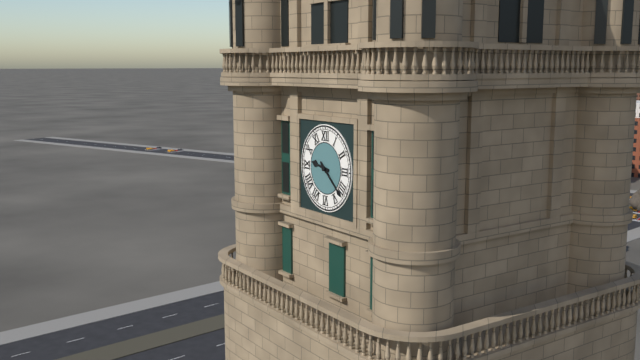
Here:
9 h 22 min
